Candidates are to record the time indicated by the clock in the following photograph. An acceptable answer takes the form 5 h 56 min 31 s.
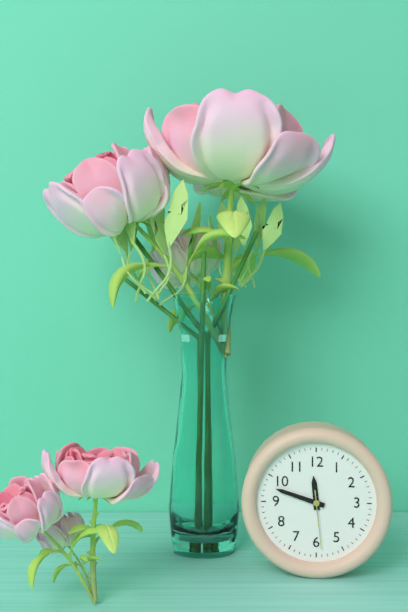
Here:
11 h 48 min 29 s
